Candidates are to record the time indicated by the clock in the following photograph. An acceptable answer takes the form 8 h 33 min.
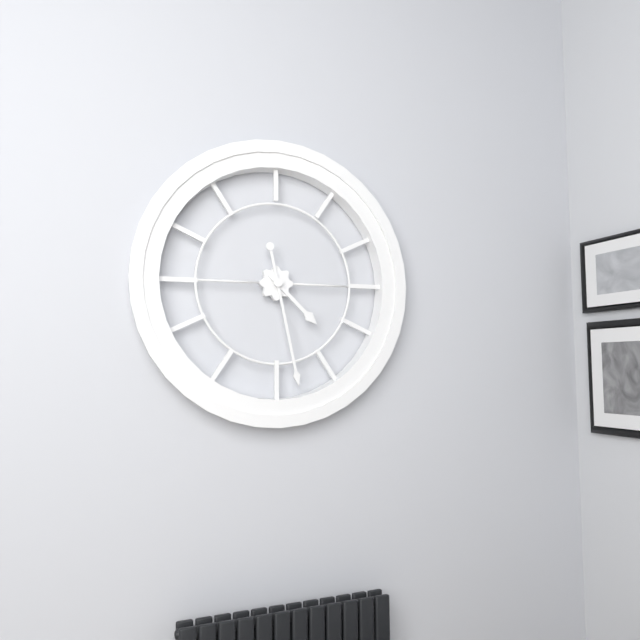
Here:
4 h 28 min
